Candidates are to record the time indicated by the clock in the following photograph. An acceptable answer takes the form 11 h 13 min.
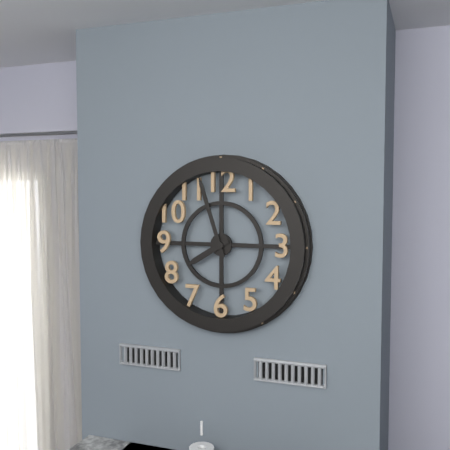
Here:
7 h 57 min
